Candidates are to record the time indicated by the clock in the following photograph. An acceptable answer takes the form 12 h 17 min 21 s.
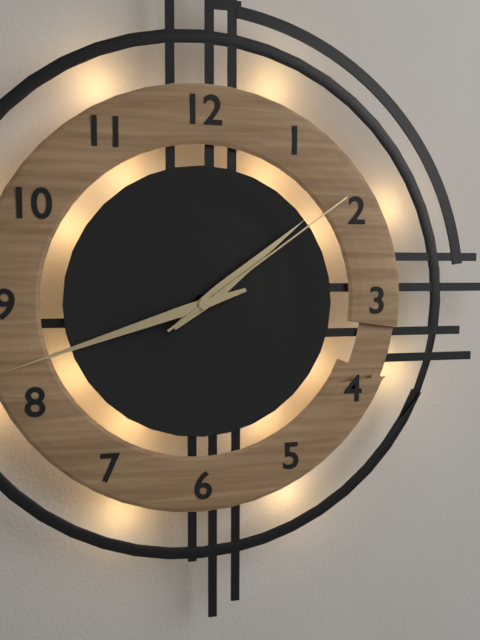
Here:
1 h 42 min 09 s
